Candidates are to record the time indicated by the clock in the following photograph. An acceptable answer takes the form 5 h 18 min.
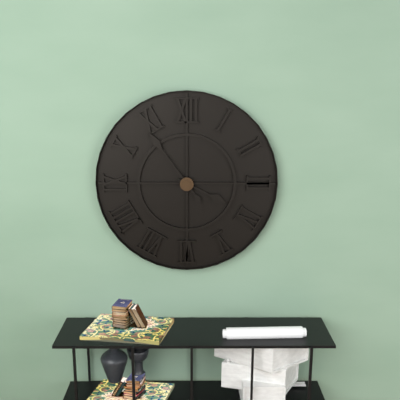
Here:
3 h 54 min
